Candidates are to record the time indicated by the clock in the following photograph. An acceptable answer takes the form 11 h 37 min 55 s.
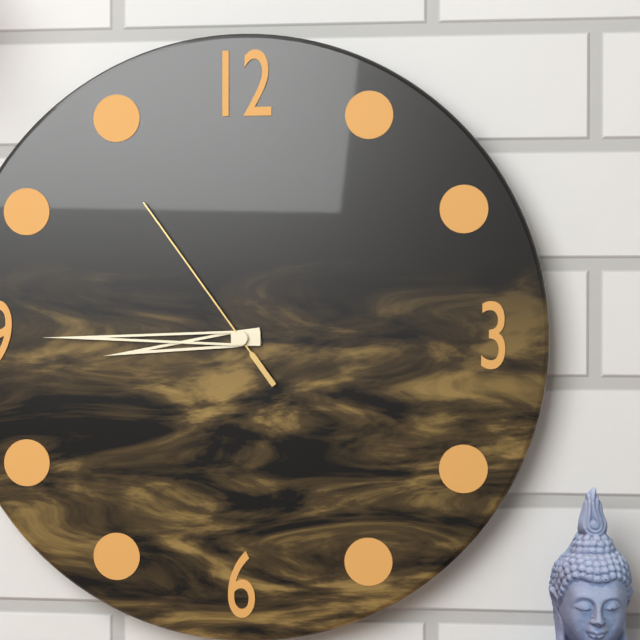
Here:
8 h 45 min 54 s
